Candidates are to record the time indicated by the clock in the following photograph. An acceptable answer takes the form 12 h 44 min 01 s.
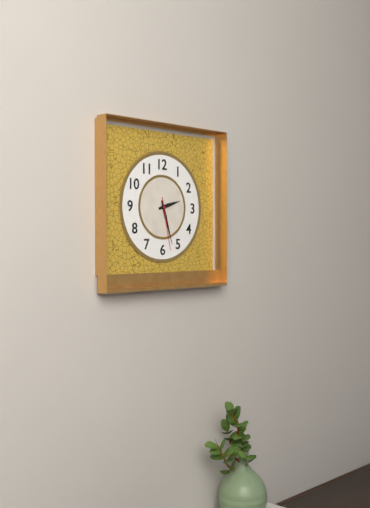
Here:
2 h 27 min 28 s
